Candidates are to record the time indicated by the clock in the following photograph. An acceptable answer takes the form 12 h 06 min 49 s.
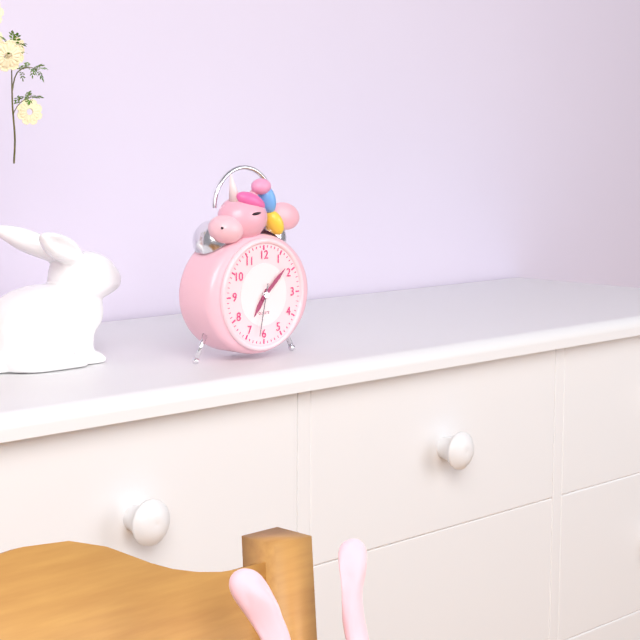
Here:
7 h 08 min 32 s
